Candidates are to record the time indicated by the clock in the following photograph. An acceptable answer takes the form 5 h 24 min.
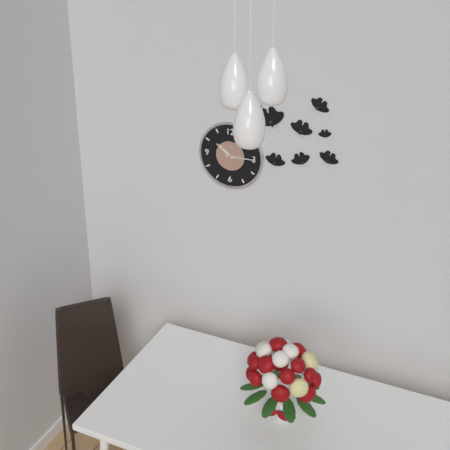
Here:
10 h 15 min
